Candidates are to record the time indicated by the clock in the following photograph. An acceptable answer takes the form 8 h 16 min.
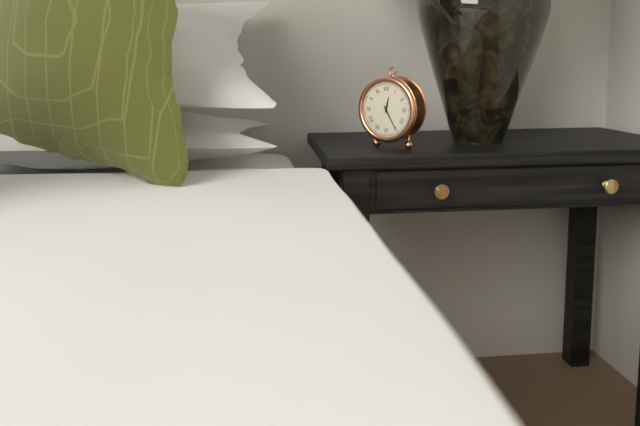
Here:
12 h 25 min
